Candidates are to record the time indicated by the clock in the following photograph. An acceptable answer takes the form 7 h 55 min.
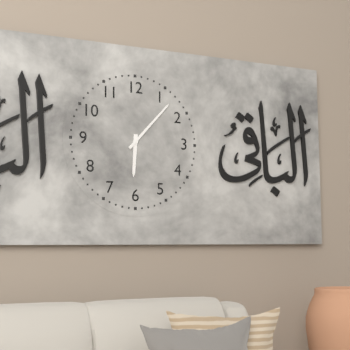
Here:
6 h 07 min
